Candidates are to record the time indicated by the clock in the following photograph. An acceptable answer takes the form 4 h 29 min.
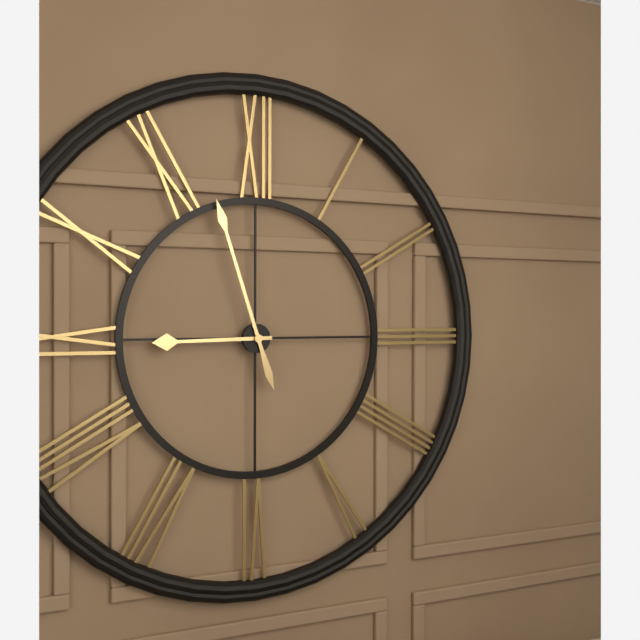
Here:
8 h 57 min
